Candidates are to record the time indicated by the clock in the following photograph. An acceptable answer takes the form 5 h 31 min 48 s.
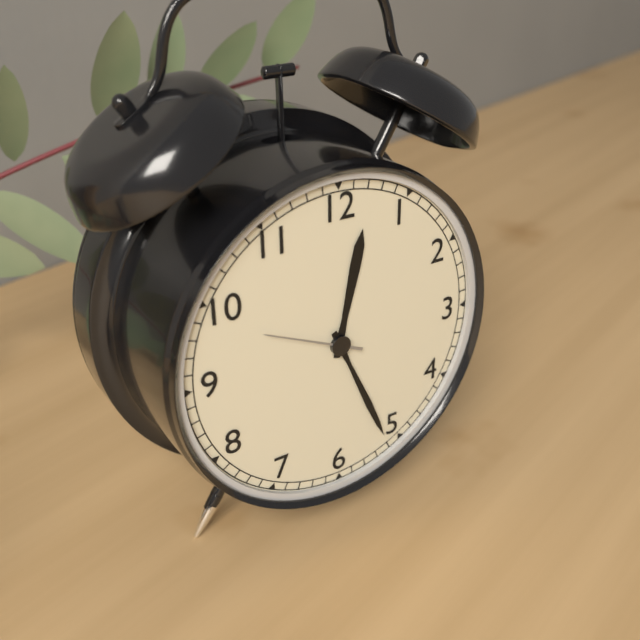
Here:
12 h 26 min 49 s
